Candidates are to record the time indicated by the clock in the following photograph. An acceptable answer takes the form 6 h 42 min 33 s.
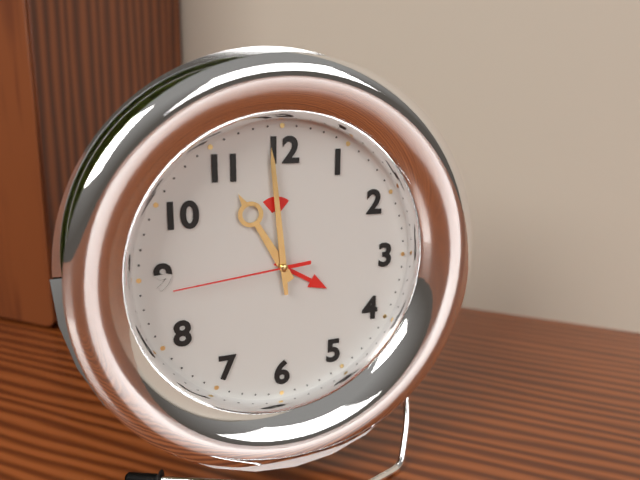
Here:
10 h 59 min 44 s
